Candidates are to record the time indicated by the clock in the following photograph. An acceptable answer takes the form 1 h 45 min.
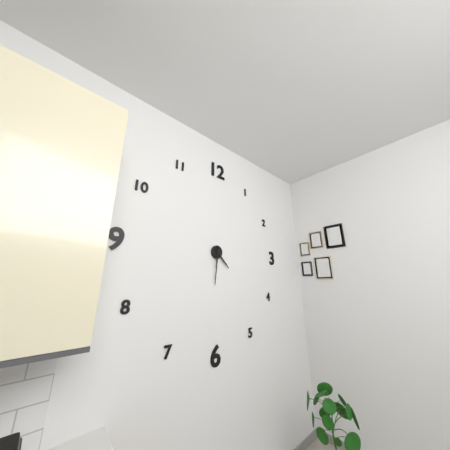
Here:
4 h 31 min
